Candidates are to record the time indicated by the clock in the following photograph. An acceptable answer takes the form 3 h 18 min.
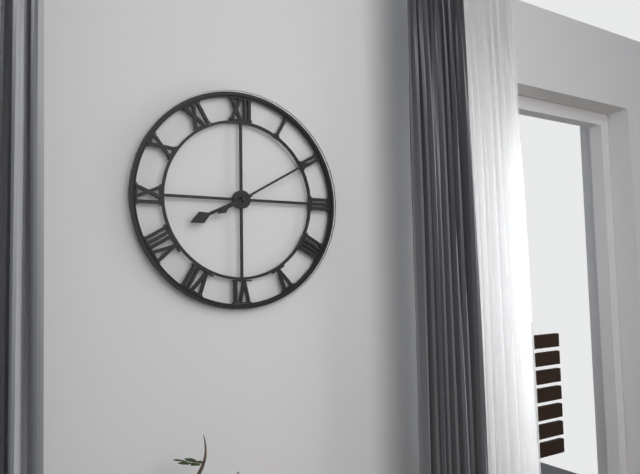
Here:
8 h 10 min
